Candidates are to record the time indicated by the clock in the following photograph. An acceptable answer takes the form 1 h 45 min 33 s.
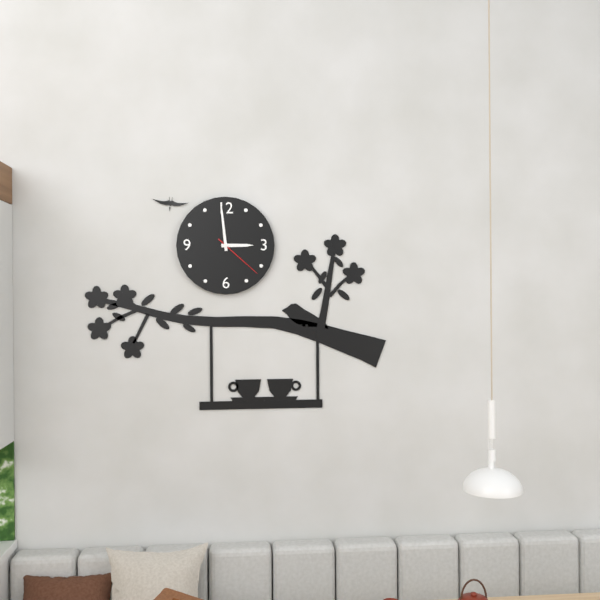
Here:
2 h 59 min 22 s
